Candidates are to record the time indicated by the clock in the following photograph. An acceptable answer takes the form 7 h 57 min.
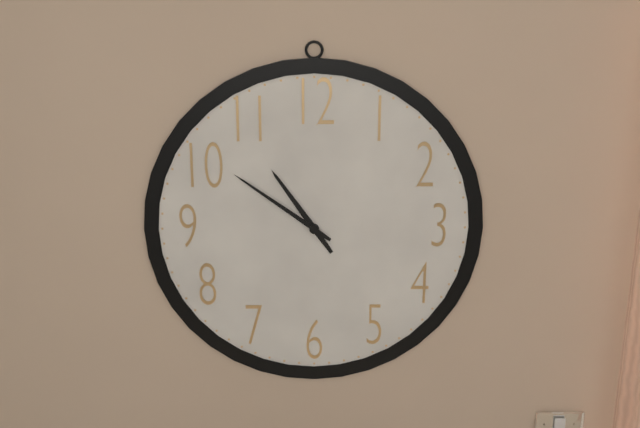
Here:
10 h 51 min
